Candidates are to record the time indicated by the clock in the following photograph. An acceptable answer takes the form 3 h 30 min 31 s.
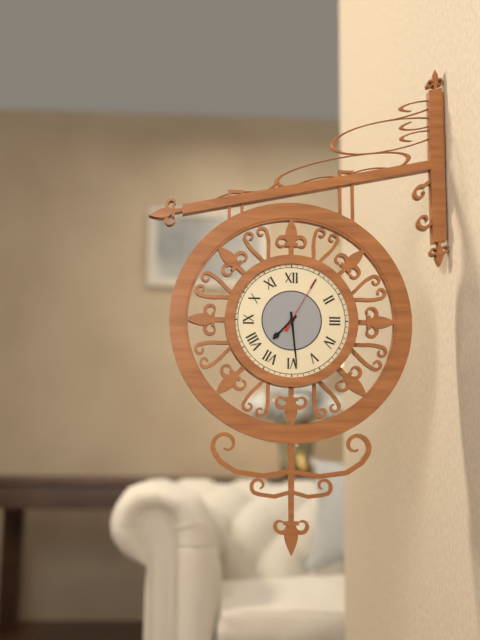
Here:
7 h 29 min 05 s
